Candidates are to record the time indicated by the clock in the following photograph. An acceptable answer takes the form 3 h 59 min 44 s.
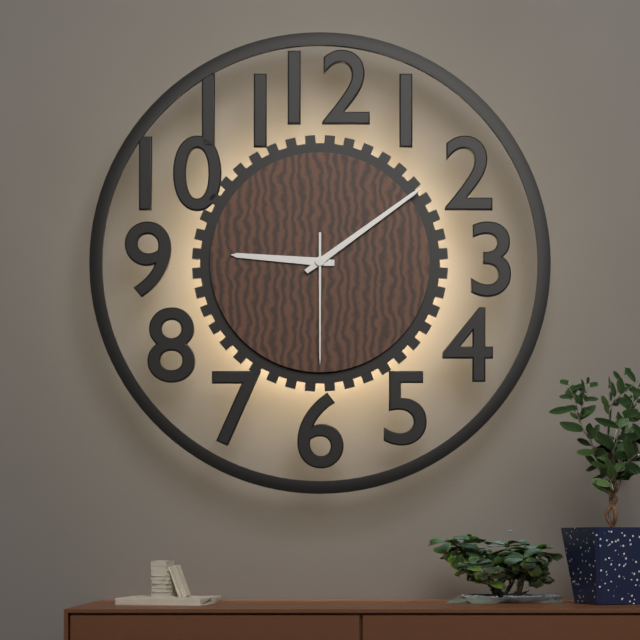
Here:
9 h 09 min 30 s
